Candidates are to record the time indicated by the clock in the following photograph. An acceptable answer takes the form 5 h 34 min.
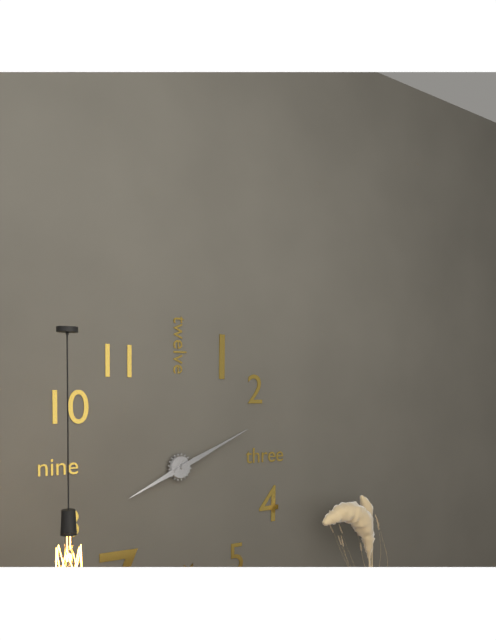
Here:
8 h 11 min
